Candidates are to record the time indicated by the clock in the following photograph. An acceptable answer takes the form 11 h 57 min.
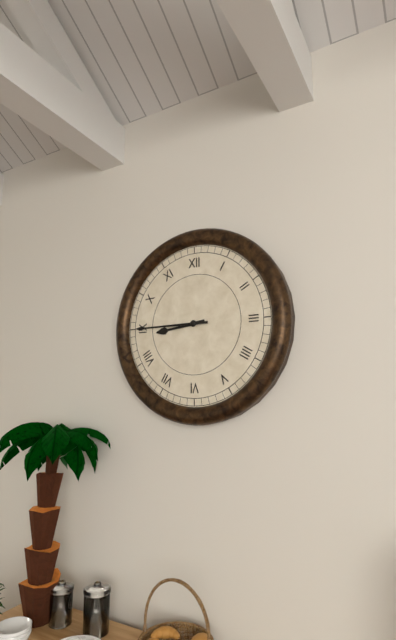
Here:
8 h 45 min
